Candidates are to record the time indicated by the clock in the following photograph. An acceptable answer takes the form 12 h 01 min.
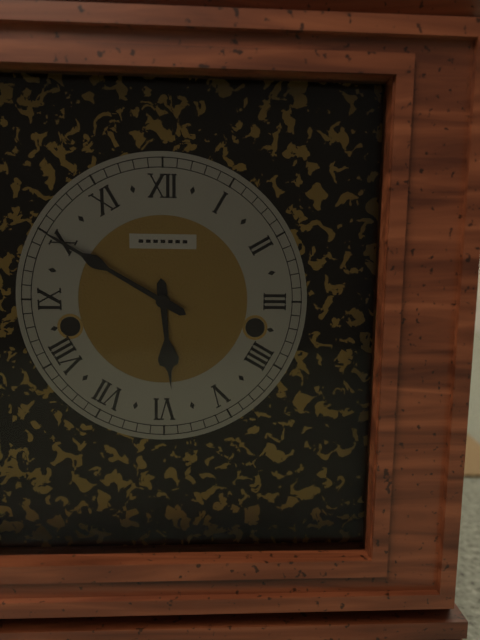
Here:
5 h 50 min
